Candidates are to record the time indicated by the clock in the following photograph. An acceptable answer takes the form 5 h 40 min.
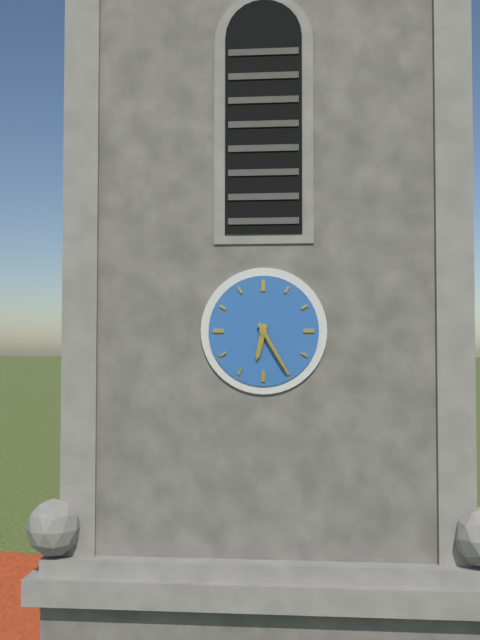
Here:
6 h 25 min
